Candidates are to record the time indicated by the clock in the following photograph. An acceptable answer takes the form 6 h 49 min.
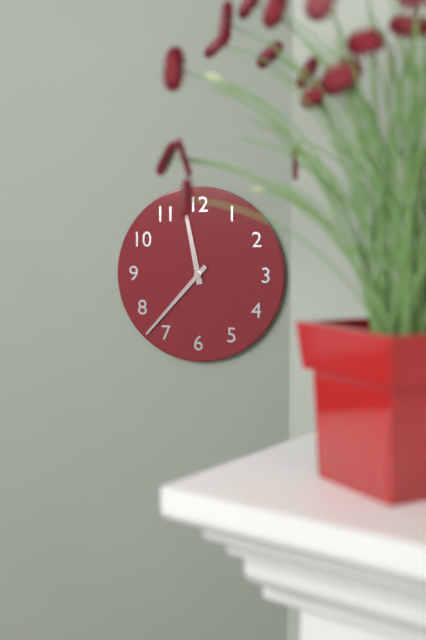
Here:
11 h 37 min
